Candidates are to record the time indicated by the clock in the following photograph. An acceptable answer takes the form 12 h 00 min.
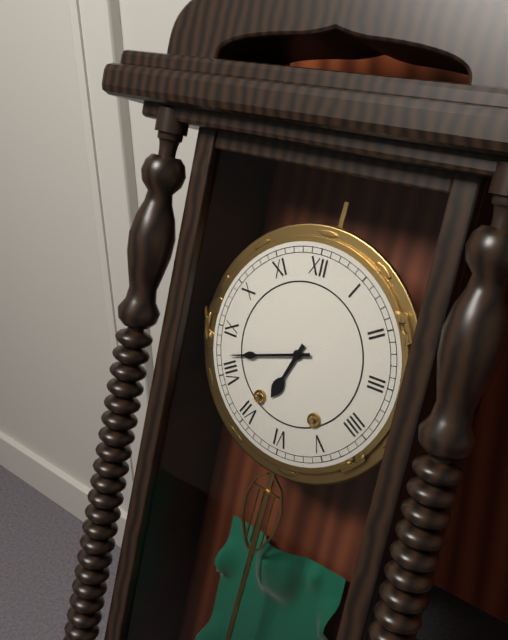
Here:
6 h 42 min
